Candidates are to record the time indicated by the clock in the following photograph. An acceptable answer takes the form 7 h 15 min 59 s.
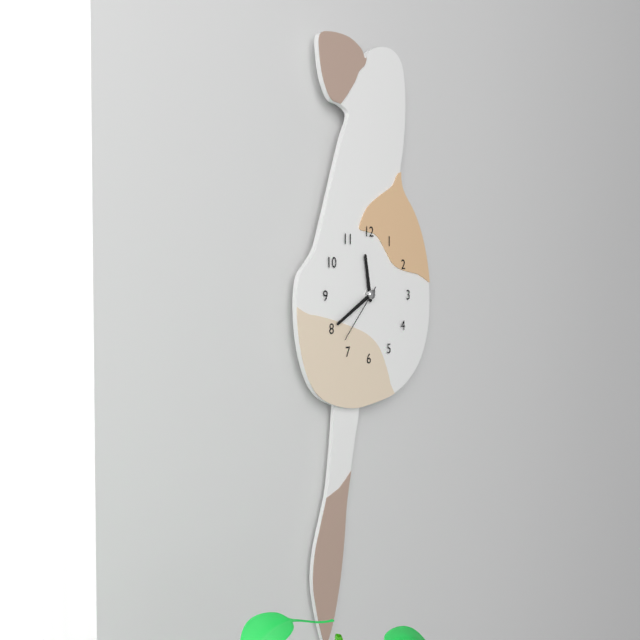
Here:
11 h 40 min 37 s
